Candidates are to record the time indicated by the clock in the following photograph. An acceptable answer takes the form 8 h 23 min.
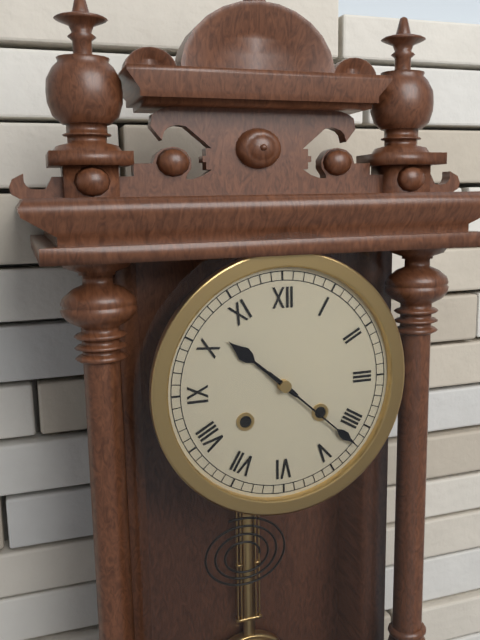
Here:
10 h 22 min
